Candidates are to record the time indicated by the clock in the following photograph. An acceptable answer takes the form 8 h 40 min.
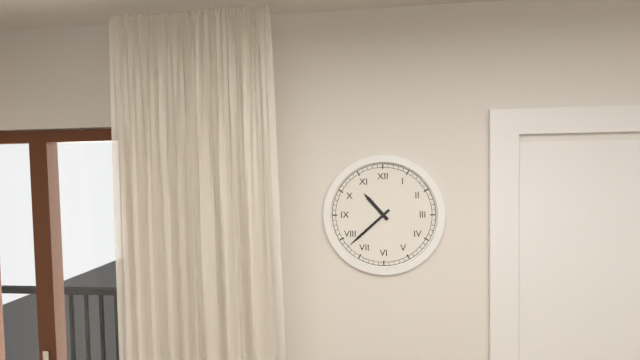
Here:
10 h 38 min
